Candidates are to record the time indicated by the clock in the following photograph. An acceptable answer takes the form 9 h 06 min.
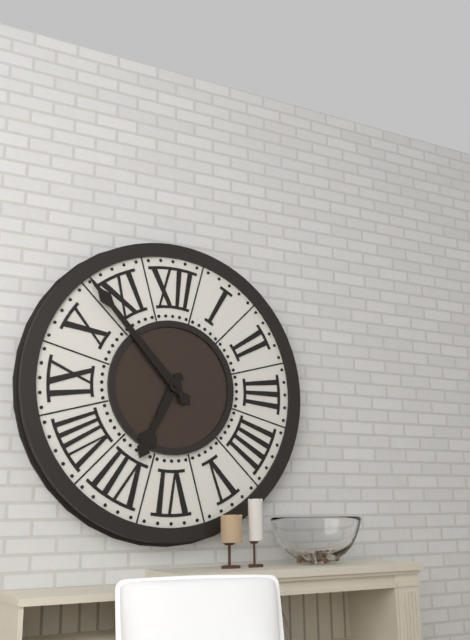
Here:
6 h 53 min
